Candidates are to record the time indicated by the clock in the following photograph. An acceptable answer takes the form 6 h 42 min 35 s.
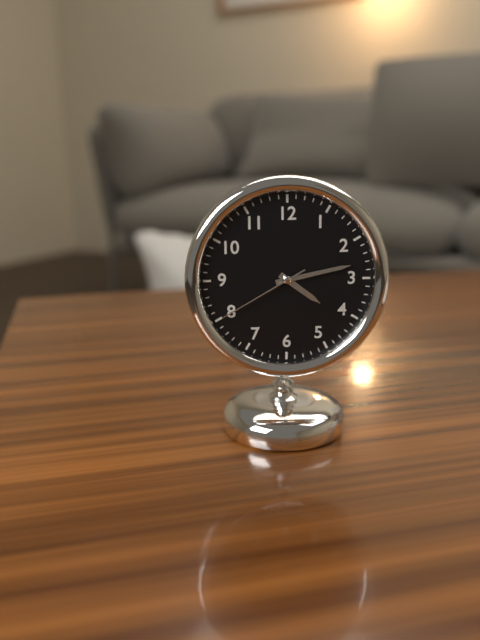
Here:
4 h 13 min 40 s
